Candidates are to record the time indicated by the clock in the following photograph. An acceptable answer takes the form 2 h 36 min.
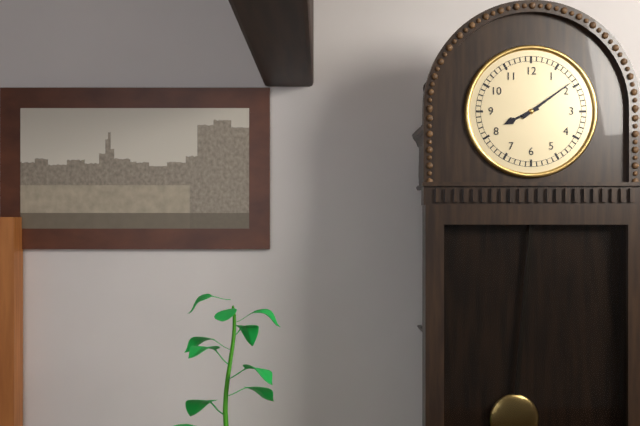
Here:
8 h 09 min
